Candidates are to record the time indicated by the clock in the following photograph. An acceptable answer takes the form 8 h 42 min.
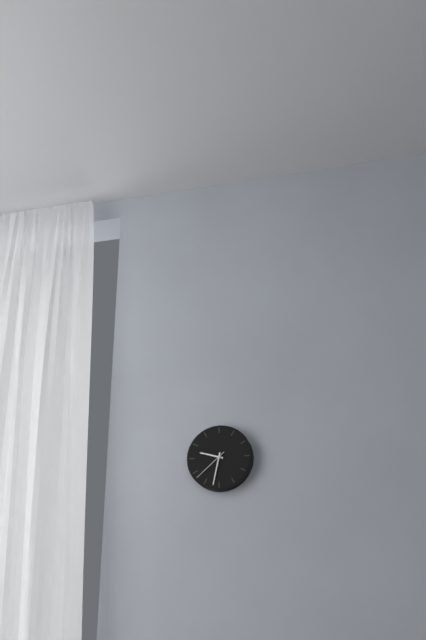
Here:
9 h 32 min
